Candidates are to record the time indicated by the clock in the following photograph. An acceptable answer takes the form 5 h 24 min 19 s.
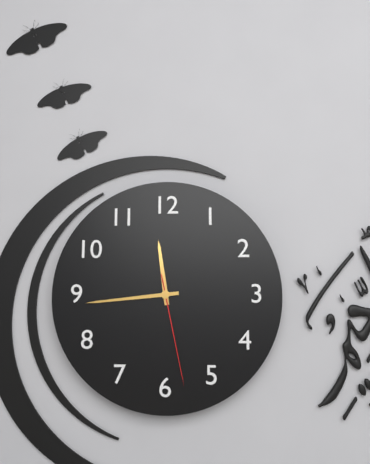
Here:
11 h 44 min 28 s
